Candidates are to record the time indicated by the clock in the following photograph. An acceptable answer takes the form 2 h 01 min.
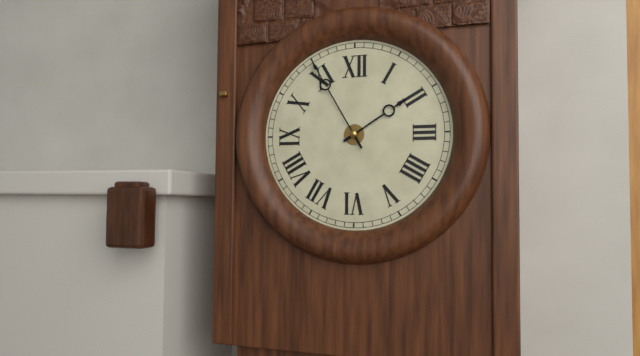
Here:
1 h 55 min
